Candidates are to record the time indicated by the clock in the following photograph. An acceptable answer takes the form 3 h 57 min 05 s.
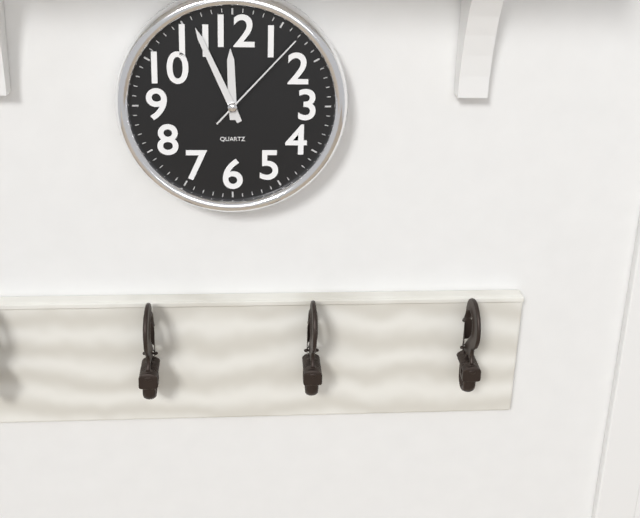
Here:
11 h 56 min 07 s
